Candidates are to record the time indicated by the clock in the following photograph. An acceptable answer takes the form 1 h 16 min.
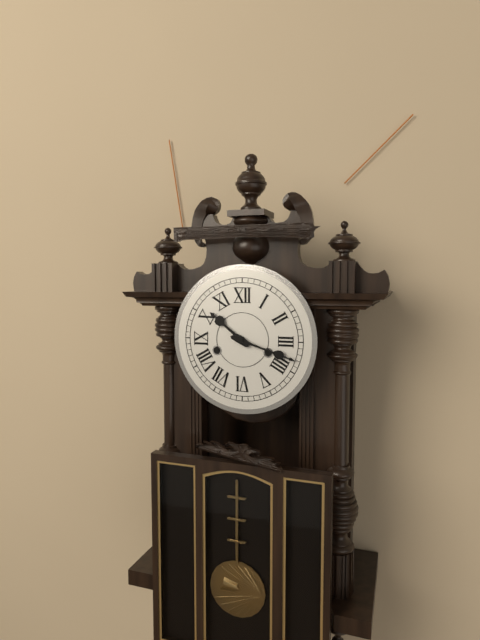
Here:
10 h 18 min
